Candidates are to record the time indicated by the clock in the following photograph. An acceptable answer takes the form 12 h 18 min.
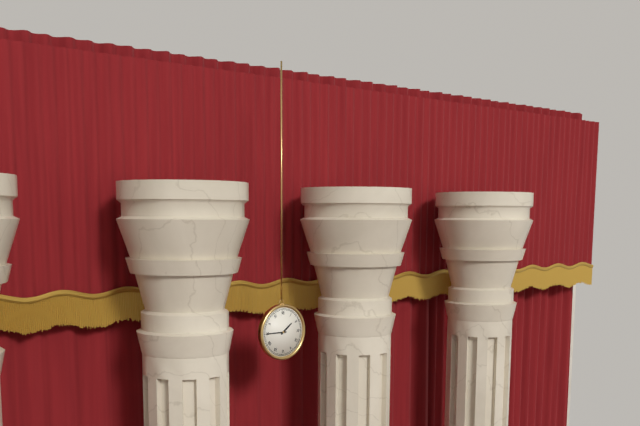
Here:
1 h 45 min
